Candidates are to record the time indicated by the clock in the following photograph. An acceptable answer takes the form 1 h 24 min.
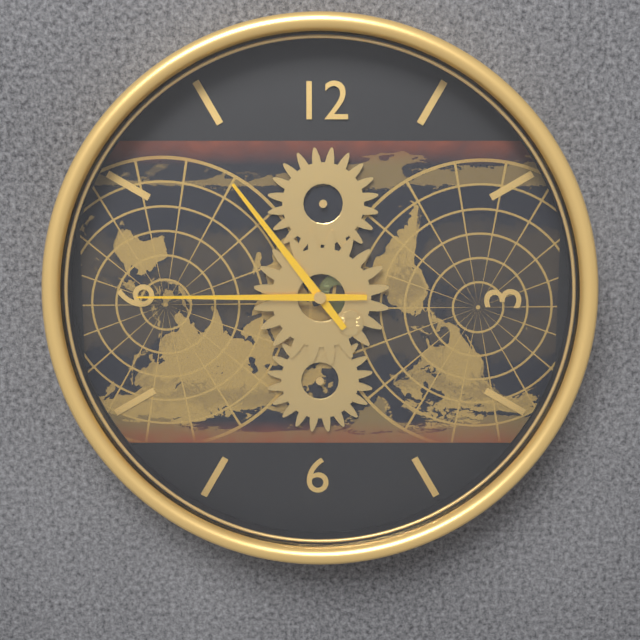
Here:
10 h 45 min
